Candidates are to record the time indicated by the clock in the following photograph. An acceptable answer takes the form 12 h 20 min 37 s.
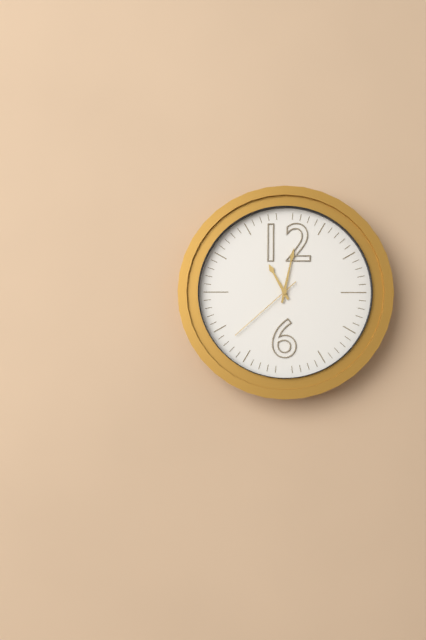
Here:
11 h 02 min 38 s
